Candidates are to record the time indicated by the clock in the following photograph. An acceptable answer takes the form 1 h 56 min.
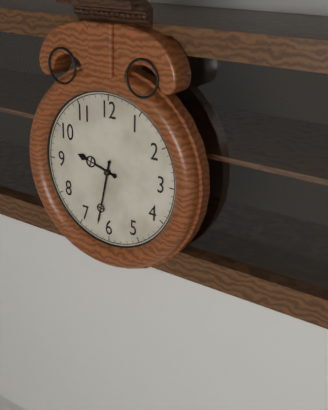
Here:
9 h 32 min
